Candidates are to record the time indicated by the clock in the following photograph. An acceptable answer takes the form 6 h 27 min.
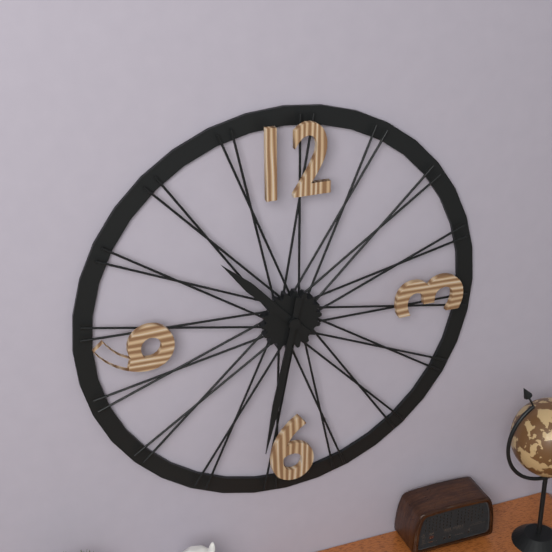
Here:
10 h 32 min
